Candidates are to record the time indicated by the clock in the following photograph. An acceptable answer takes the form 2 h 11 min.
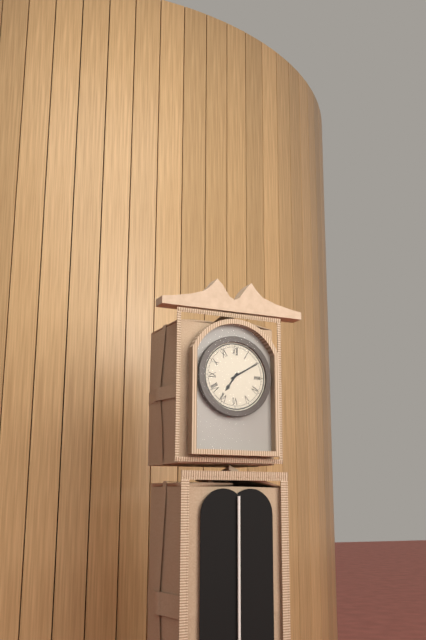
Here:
7 h 10 min
